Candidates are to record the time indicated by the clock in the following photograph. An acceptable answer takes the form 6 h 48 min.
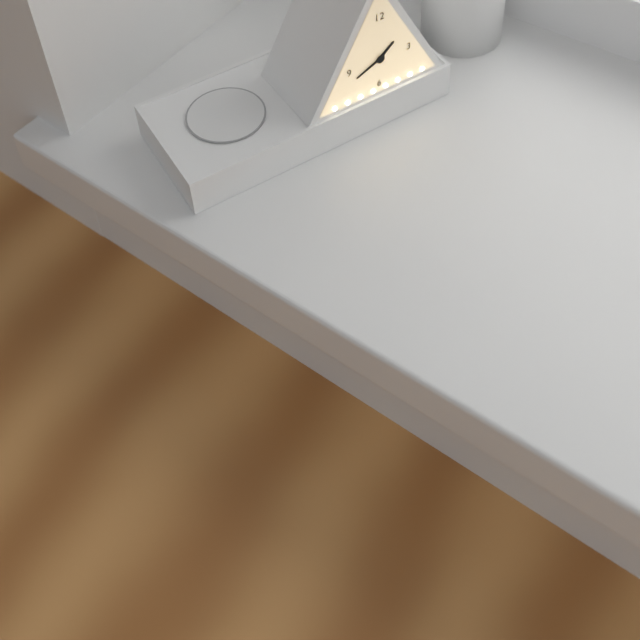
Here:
1 h 41 min
